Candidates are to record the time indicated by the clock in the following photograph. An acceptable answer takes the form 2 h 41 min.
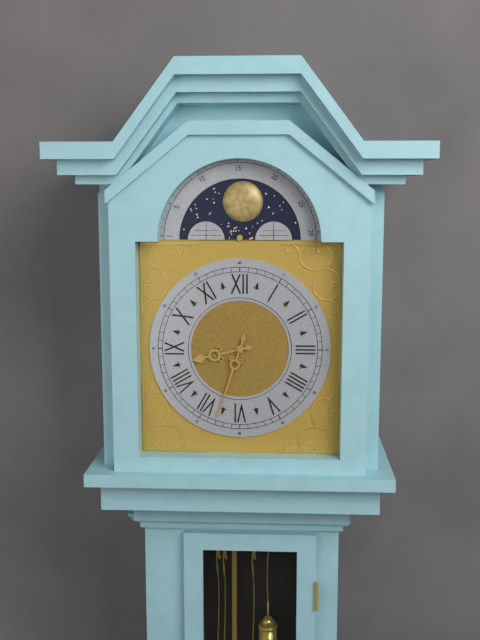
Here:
8 h 33 min
